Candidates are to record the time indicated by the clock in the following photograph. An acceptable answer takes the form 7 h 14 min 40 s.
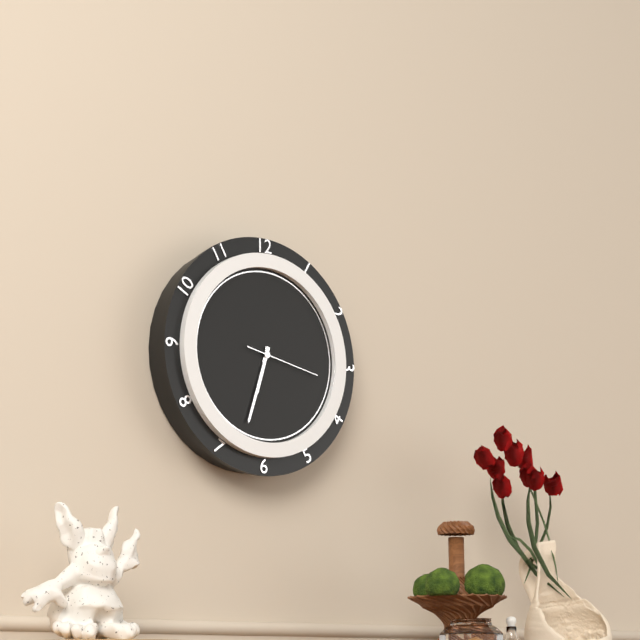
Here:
6 h 33 min 17 s
